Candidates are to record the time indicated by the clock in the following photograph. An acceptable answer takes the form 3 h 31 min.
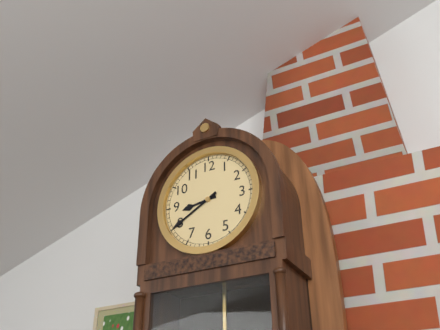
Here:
8 h 40 min
